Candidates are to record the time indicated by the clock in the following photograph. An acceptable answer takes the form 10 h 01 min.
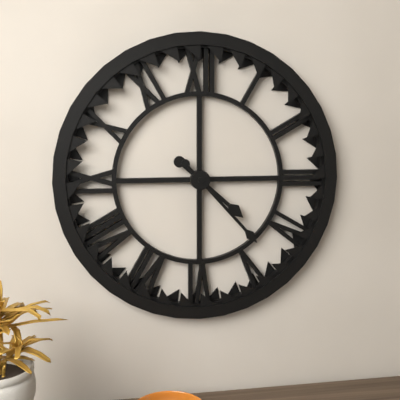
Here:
4 h 23 min
